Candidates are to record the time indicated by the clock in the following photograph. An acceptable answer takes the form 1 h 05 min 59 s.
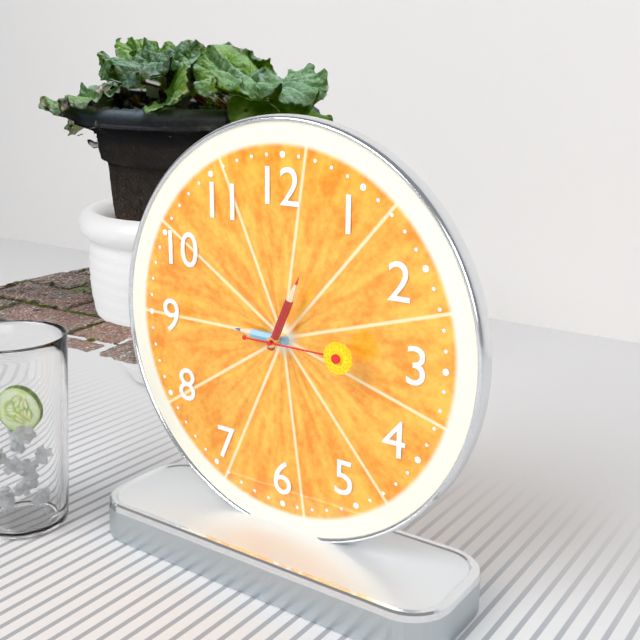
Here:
9 h 04 min 15 s
